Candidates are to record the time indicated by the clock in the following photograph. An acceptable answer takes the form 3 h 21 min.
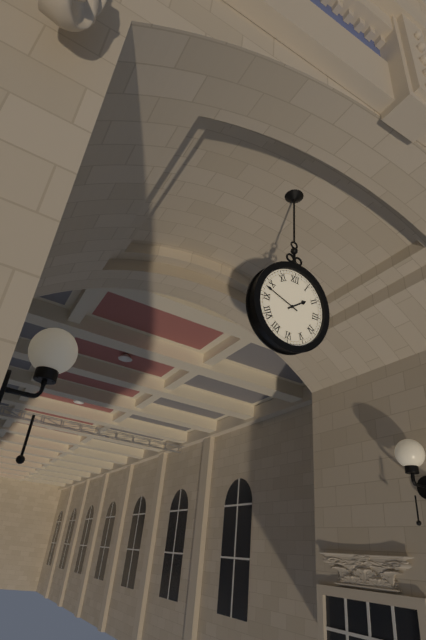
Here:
1 h 48 min
